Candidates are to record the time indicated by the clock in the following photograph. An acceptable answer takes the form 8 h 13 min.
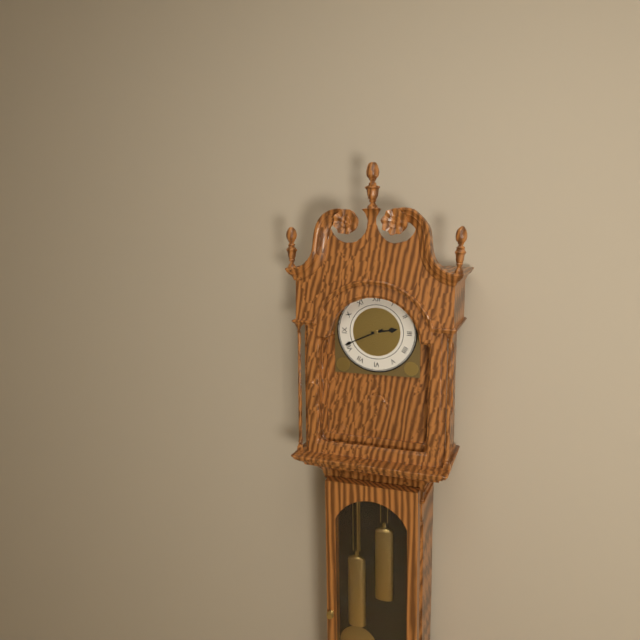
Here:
2 h 41 min
